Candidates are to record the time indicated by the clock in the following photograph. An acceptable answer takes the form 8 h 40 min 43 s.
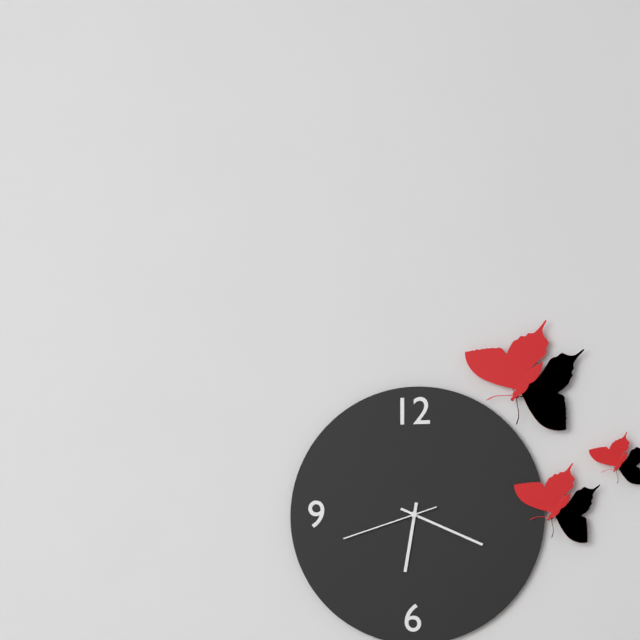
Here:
6 h 19 min 42 s
